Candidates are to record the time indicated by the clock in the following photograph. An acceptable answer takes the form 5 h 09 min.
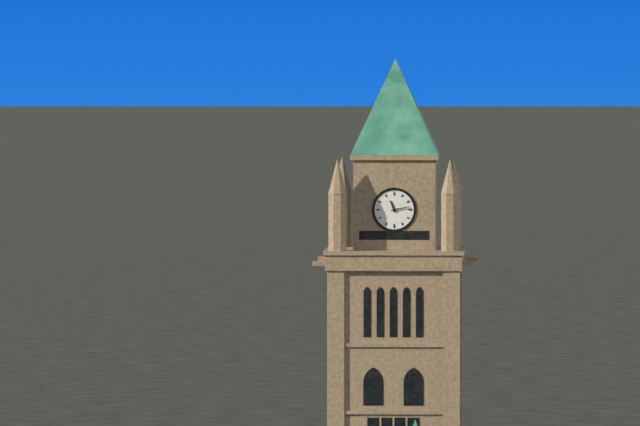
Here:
11 h 13 min
